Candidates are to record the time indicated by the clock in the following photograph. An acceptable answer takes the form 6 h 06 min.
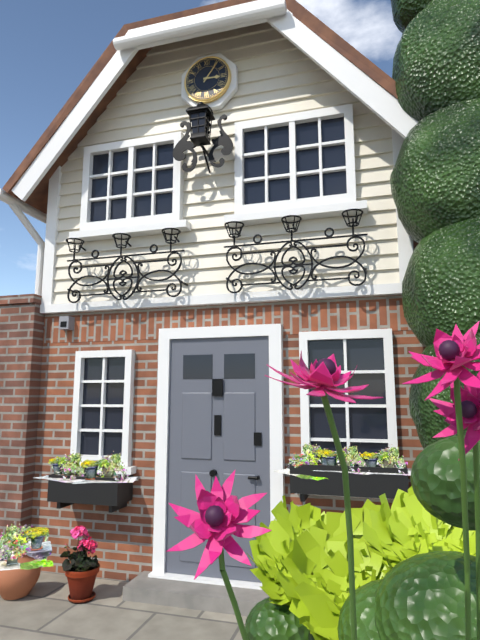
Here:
3 h 06 min
